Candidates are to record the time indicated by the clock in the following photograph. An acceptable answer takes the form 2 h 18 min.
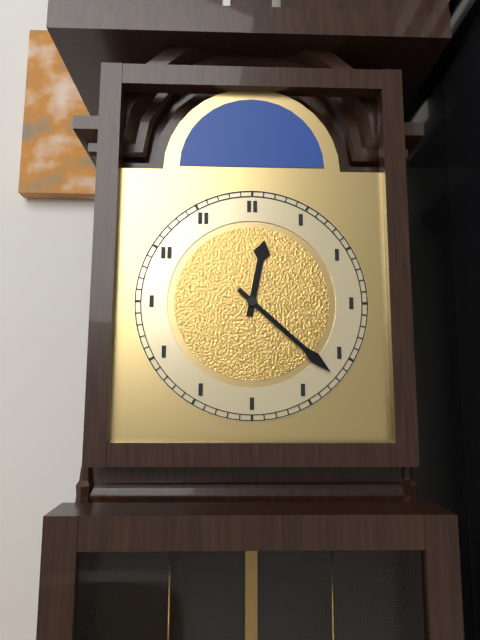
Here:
12 h 22 min
